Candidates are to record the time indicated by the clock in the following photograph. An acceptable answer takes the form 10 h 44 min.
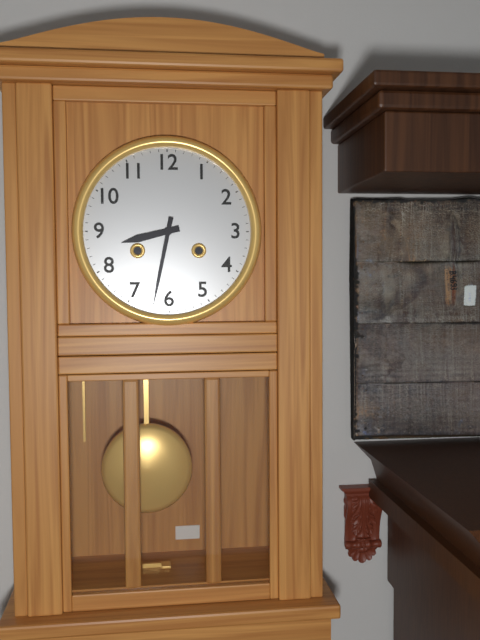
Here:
8 h 32 min
